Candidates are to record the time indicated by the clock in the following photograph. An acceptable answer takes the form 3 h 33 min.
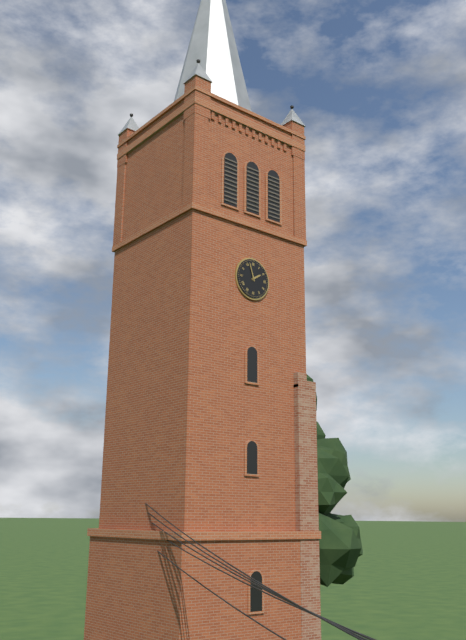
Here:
1 h 57 min
